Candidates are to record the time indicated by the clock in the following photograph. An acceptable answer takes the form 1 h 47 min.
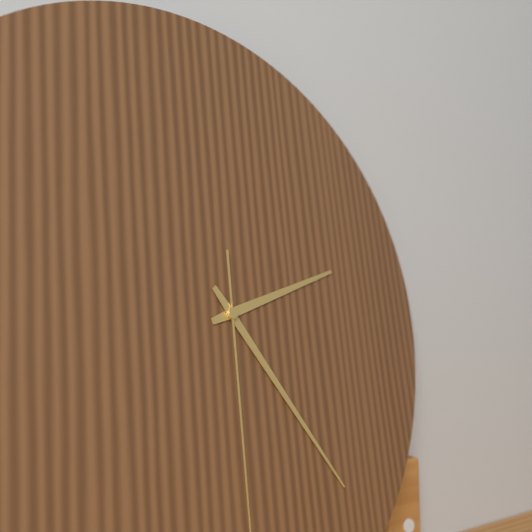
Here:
2 h 24 min
